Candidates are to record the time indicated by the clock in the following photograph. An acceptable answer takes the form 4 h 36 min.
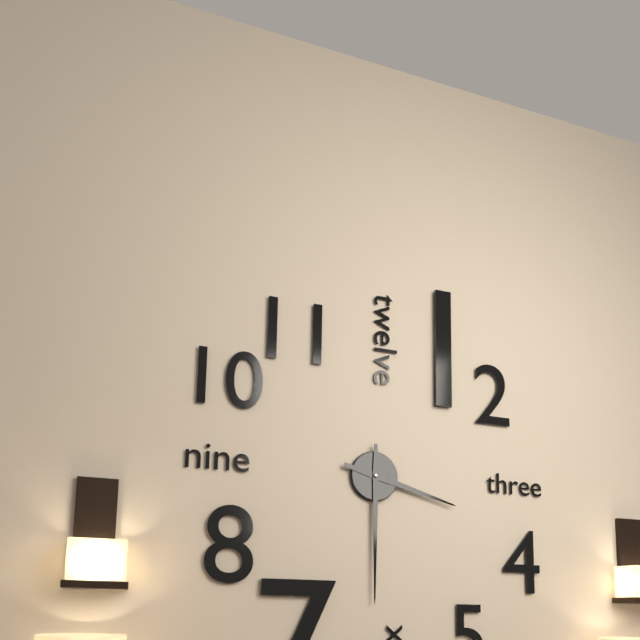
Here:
3 h 30 min
